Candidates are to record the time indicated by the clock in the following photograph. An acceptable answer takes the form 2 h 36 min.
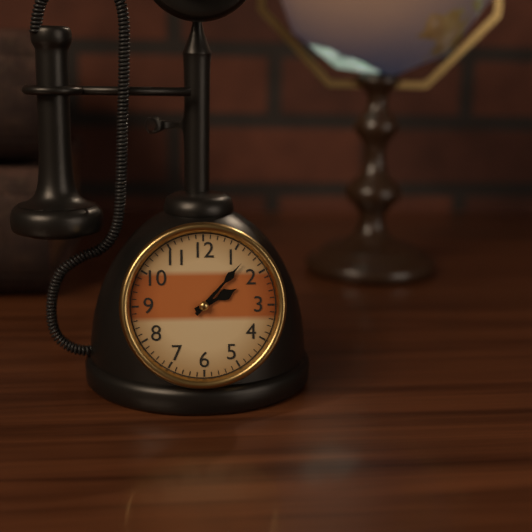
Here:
2 h 07 min
